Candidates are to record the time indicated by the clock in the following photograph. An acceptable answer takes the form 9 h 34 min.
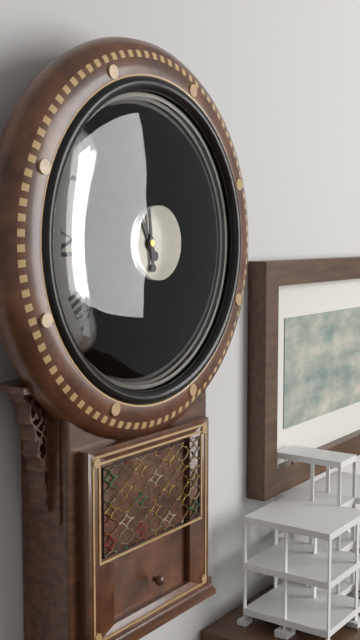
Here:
10 h 59 min
